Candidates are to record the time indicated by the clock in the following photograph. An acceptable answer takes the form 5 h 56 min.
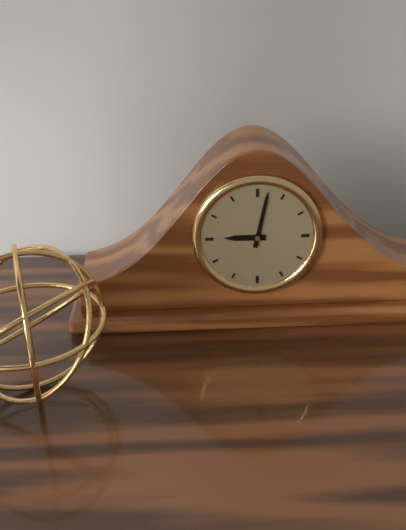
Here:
9 h 02 min
